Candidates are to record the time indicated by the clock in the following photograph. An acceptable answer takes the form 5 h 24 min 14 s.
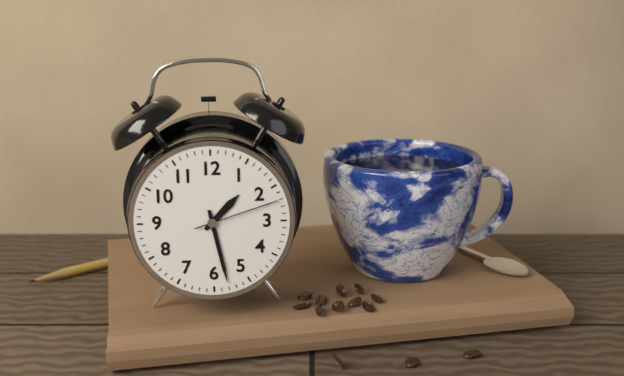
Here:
1 h 28 min 12 s
